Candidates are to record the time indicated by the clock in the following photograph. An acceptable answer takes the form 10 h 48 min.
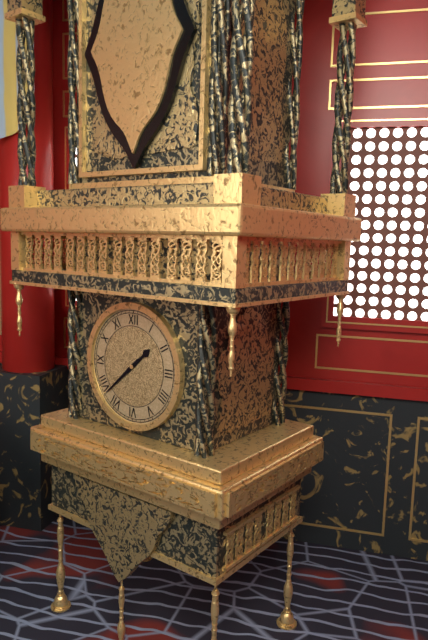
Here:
1 h 38 min
